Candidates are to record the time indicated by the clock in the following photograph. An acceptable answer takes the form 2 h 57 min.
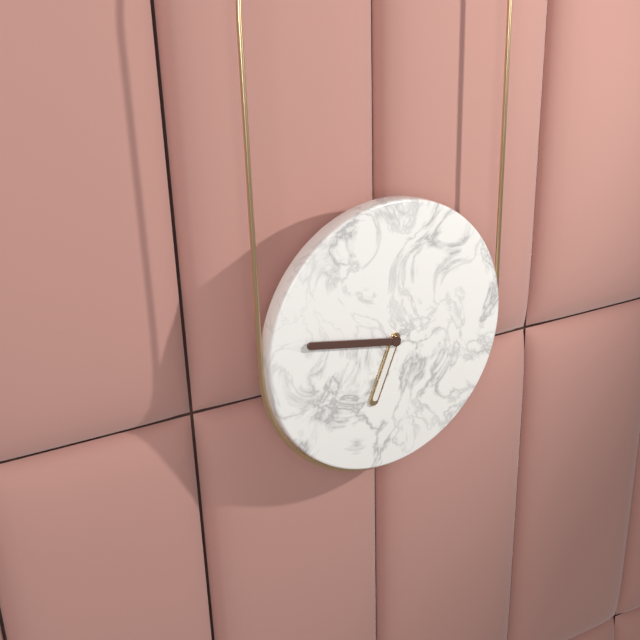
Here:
6 h 47 min
